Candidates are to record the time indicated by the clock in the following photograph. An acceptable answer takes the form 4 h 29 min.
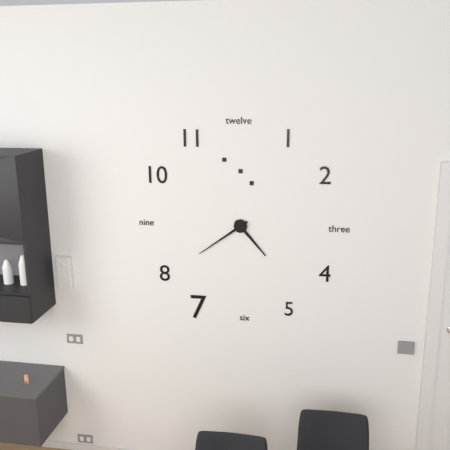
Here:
4 h 39 min
